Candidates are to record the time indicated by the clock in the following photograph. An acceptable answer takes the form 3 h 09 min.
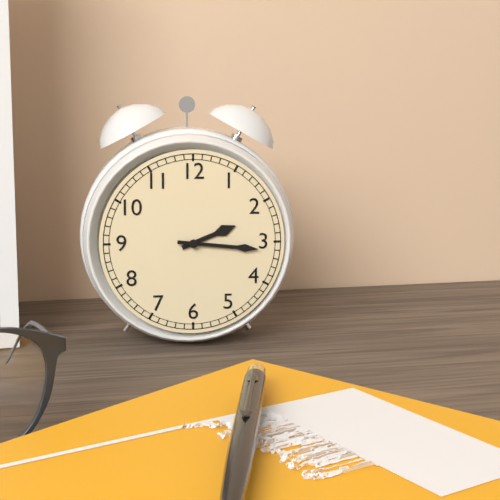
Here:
2 h 16 min
